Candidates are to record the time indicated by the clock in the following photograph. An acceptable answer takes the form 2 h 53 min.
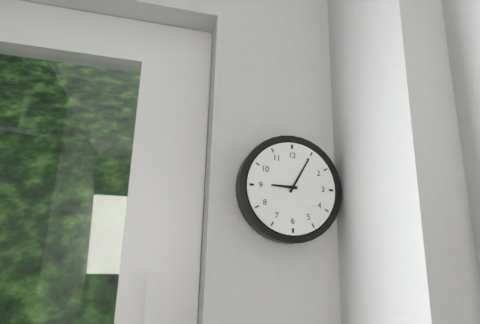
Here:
9 h 05 min
